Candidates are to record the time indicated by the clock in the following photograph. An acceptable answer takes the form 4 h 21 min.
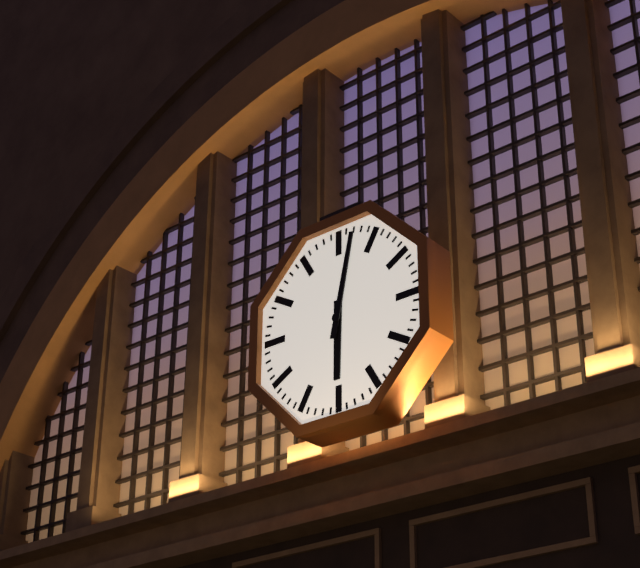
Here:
6 h 02 min
